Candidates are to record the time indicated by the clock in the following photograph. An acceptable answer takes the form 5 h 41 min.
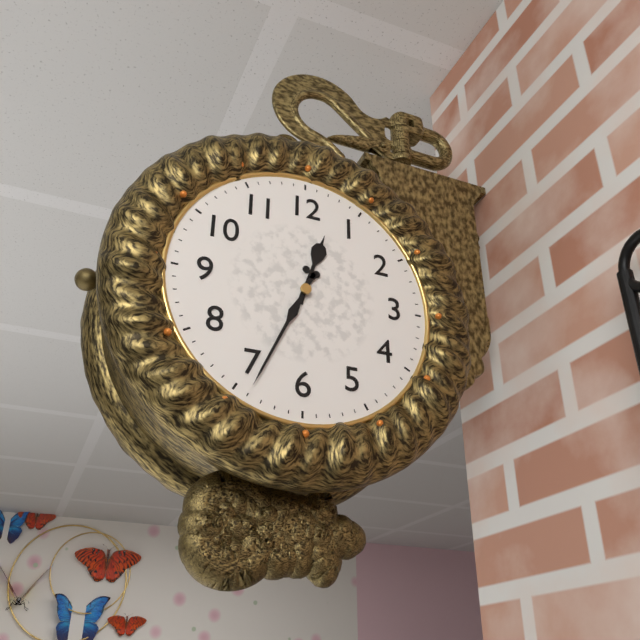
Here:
12 h 34 min
